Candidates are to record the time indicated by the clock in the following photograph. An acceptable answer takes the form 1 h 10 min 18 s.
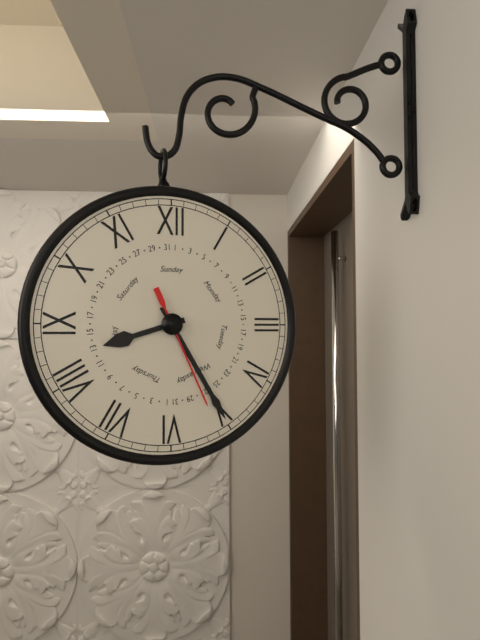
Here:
8 h 25 min 26 s
